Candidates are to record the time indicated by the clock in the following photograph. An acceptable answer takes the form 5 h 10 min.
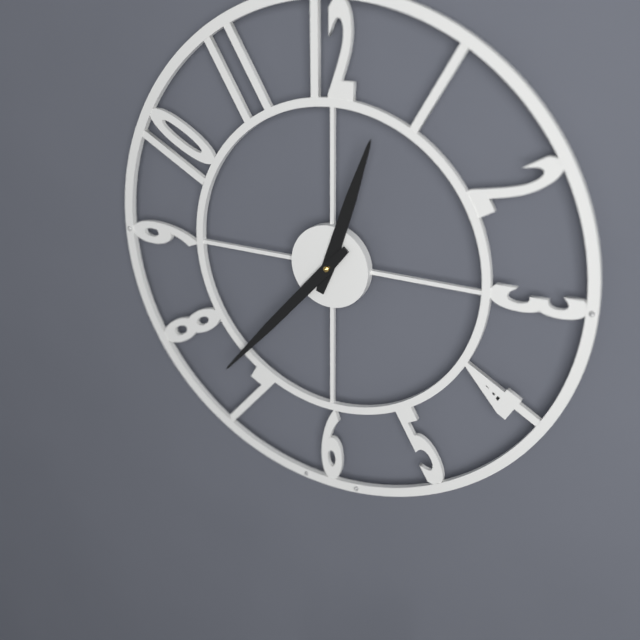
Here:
12 h 37 min
